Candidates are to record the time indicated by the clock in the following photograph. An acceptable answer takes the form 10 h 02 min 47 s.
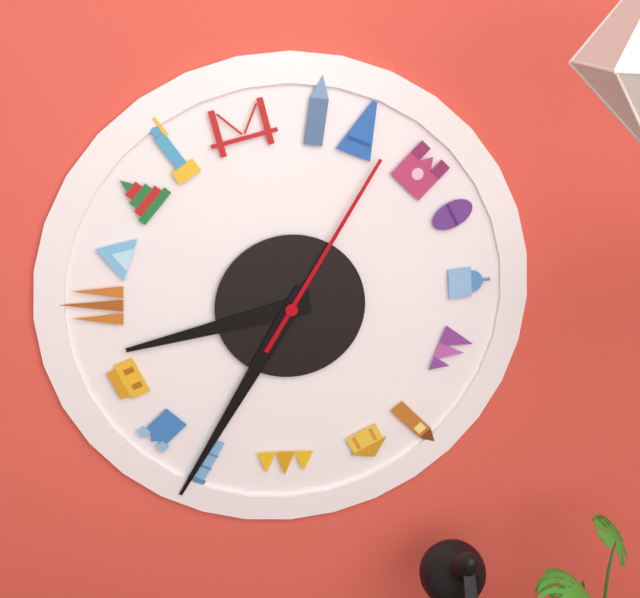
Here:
8 h 35 min 05 s
